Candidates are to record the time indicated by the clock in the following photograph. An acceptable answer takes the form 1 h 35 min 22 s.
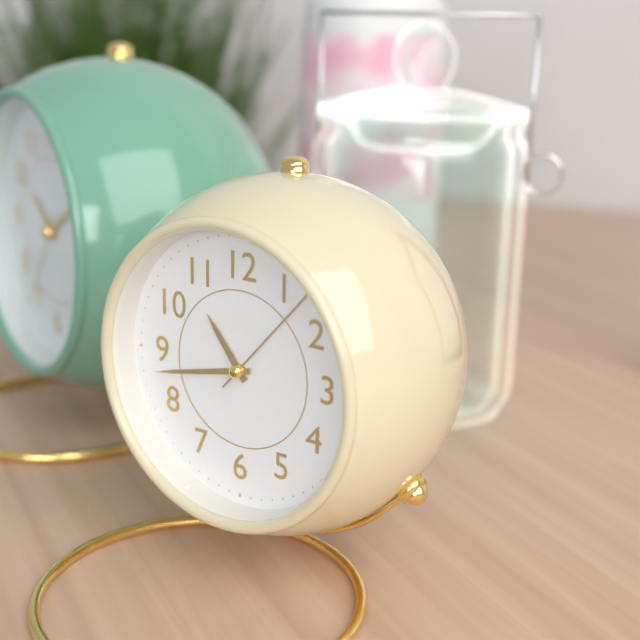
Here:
10 h 43 min 07 s
